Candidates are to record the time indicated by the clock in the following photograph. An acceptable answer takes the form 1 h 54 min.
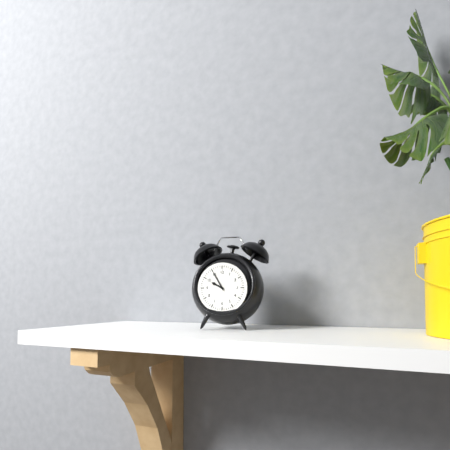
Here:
9 h 55 min
